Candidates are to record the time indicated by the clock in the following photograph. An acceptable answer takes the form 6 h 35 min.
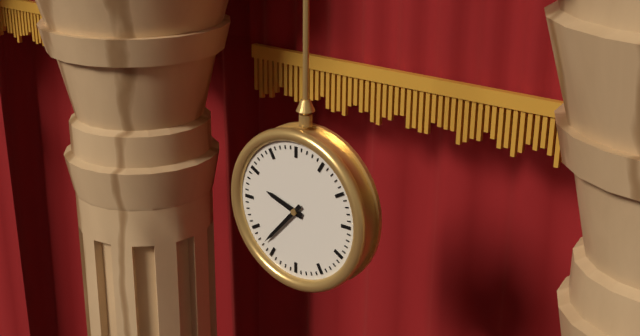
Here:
9 h 37 min
